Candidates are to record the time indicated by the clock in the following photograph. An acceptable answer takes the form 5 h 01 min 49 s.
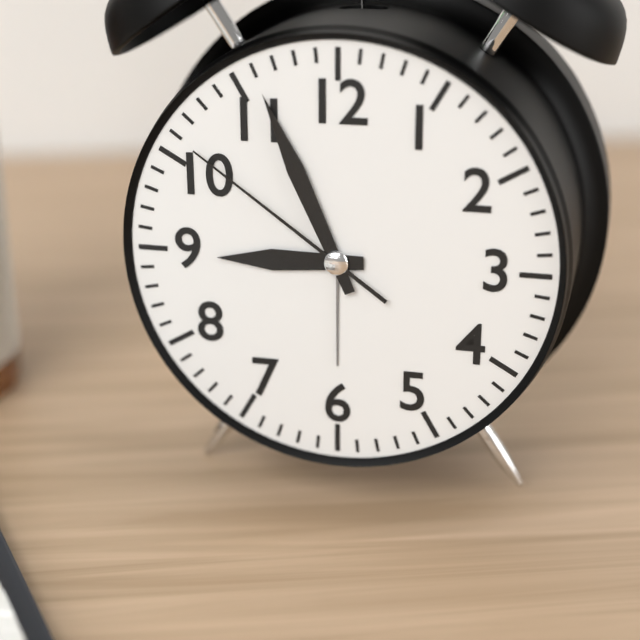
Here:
8 h 56 min 51 s
